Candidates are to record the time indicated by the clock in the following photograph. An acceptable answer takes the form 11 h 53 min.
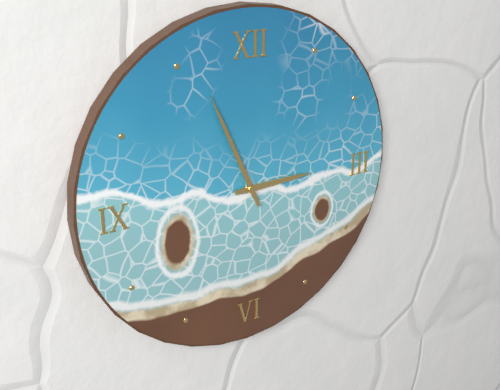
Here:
2 h 56 min
